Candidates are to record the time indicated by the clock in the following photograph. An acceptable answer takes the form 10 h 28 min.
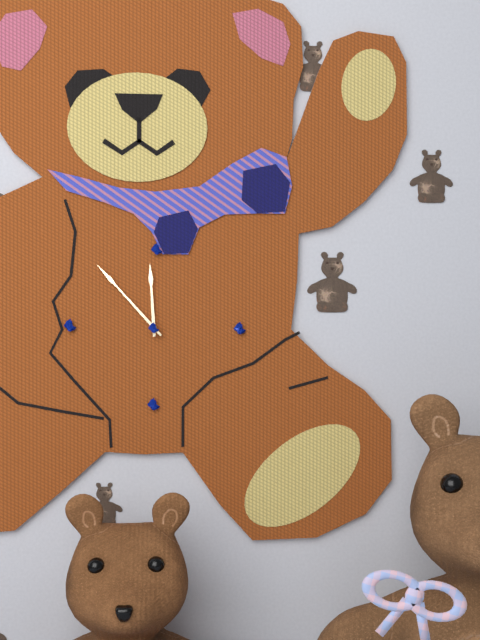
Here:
11 h 53 min
